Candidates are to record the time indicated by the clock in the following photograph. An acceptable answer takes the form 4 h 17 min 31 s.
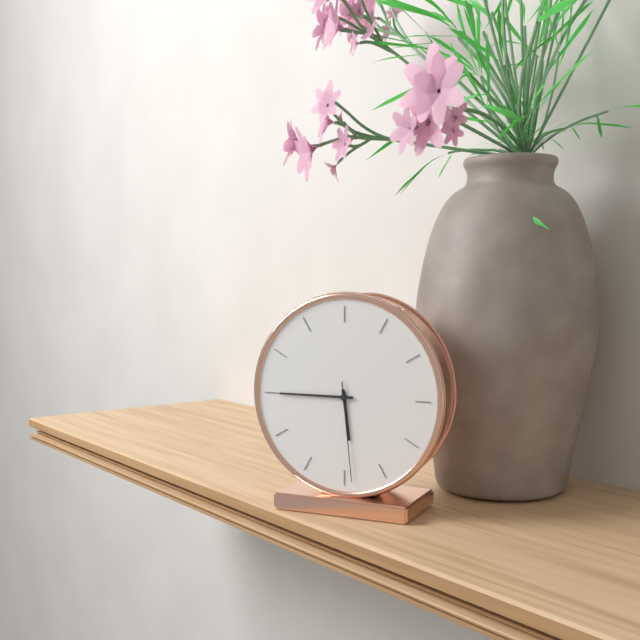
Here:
5 h 45 min 29 s
